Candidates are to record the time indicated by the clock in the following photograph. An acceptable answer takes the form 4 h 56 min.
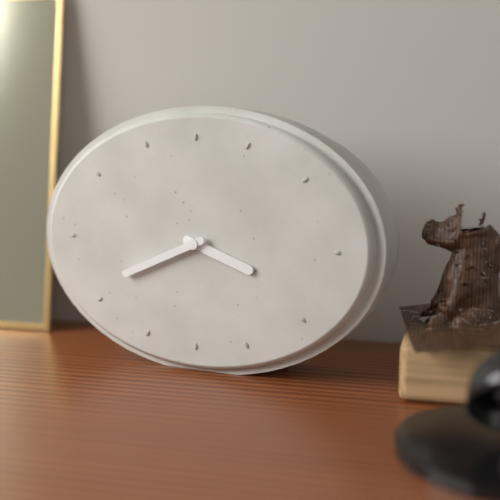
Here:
3 h 41 min
